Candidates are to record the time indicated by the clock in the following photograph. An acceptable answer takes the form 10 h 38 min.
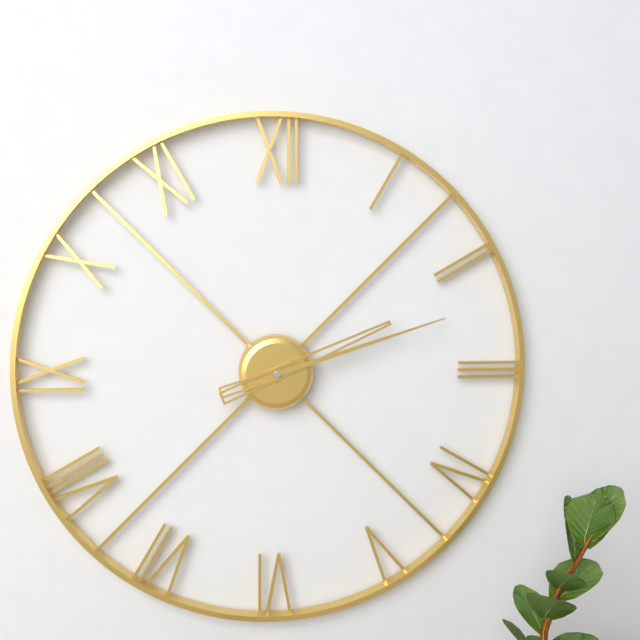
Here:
2 h 12 min
